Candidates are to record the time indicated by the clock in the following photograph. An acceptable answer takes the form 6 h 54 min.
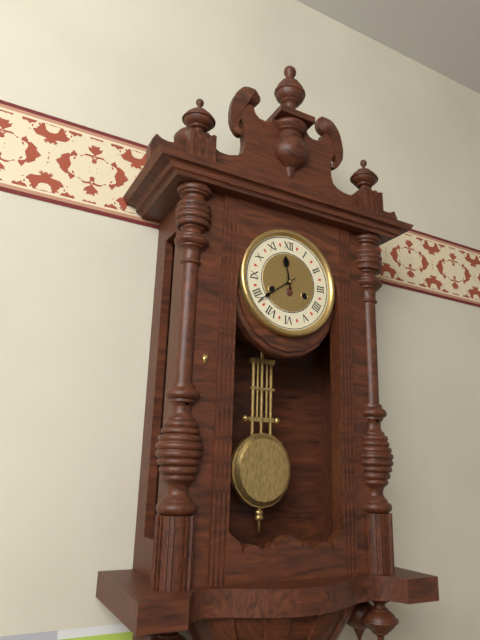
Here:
11 h 39 min
